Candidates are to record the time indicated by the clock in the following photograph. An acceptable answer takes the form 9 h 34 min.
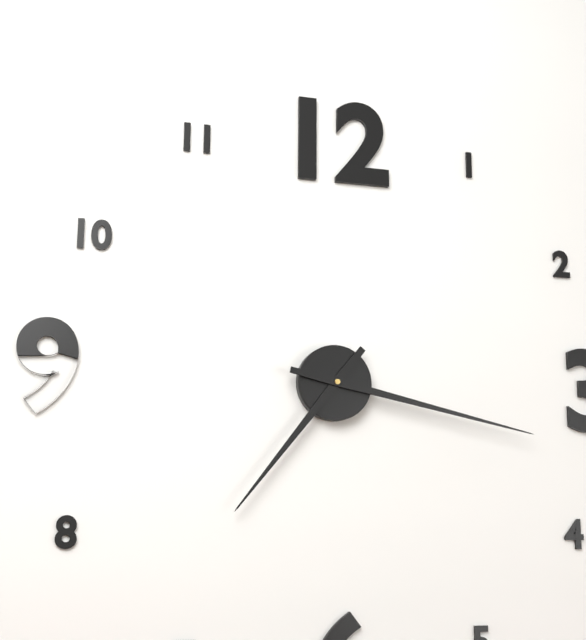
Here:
7 h 17 min
